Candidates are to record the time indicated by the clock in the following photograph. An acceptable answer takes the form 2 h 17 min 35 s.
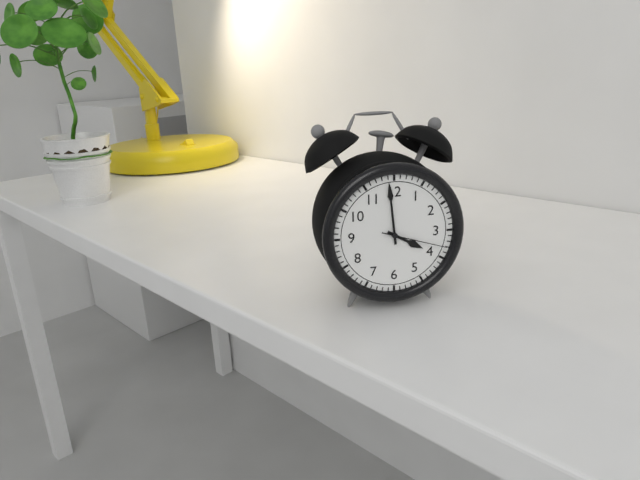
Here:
3 h 59 min 18 s
